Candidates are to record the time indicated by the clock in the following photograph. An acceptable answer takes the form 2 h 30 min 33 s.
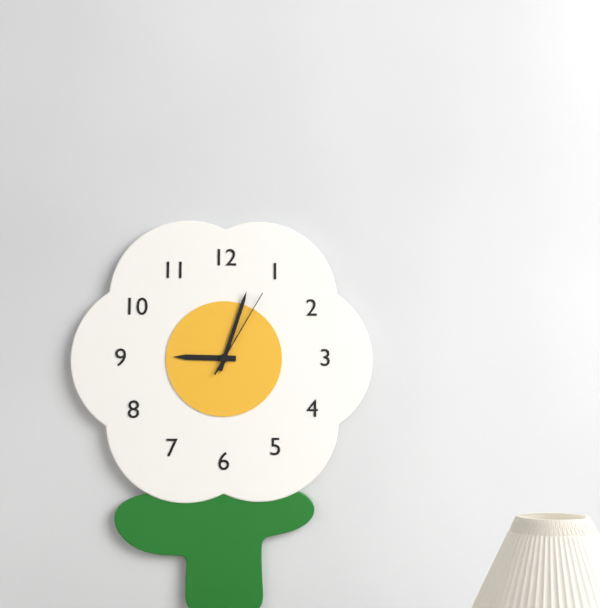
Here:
9 h 03 min 05 s
